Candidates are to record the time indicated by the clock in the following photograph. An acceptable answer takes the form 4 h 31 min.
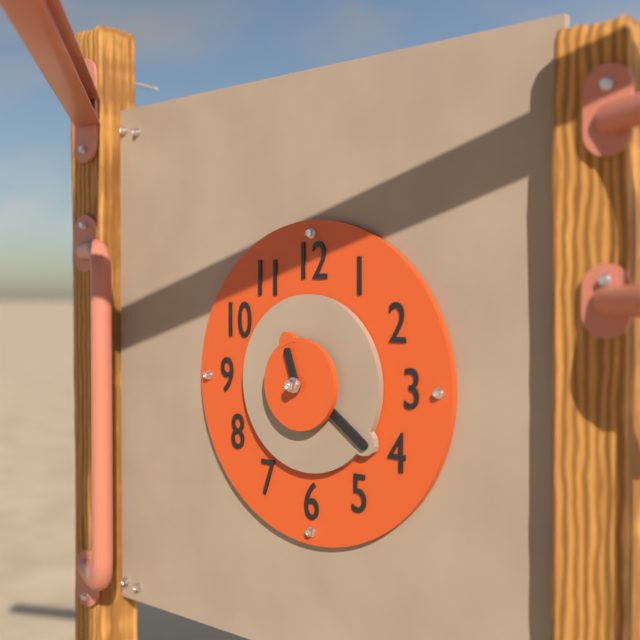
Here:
11 h 21 min
